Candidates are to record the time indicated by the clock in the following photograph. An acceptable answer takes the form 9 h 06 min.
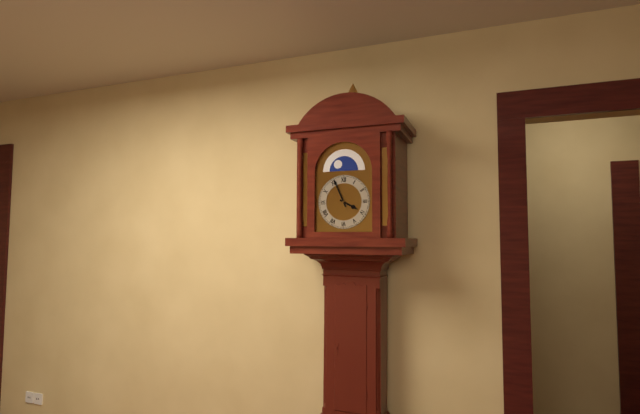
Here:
3 h 56 min
